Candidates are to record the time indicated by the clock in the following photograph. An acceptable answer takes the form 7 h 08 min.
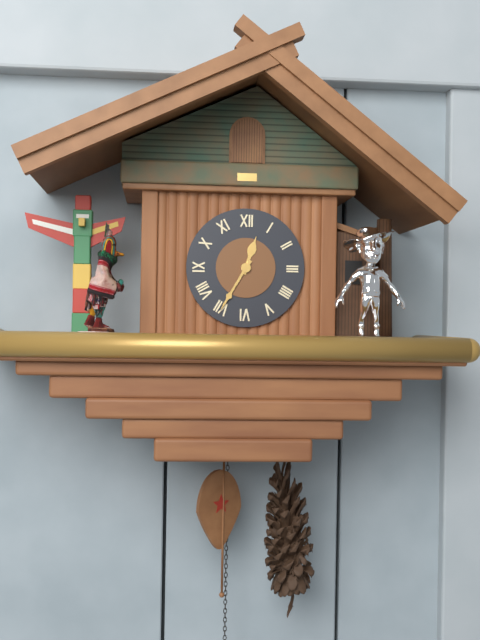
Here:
12 h 35 min
